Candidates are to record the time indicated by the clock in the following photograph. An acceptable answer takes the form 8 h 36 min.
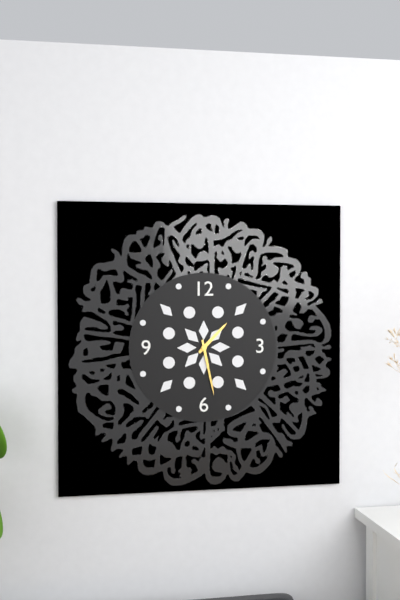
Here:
1 h 28 min
